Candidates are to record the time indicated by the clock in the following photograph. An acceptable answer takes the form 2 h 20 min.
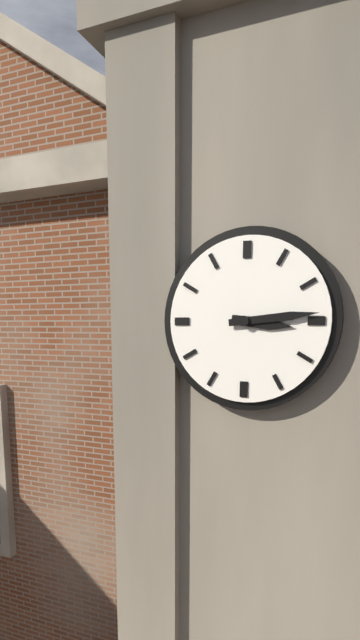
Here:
3 h 14 min
